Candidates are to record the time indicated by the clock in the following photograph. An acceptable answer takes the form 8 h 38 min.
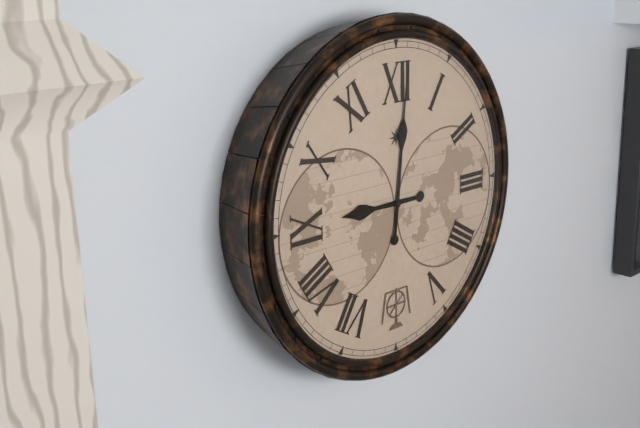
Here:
9 h 01 min
